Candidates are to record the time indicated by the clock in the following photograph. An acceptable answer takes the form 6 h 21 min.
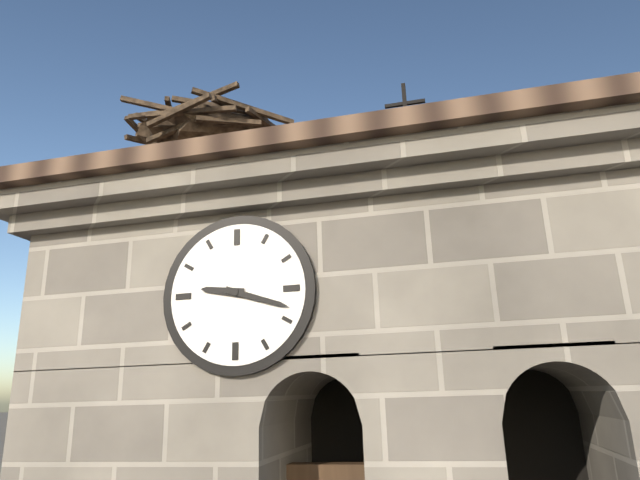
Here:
9 h 18 min
